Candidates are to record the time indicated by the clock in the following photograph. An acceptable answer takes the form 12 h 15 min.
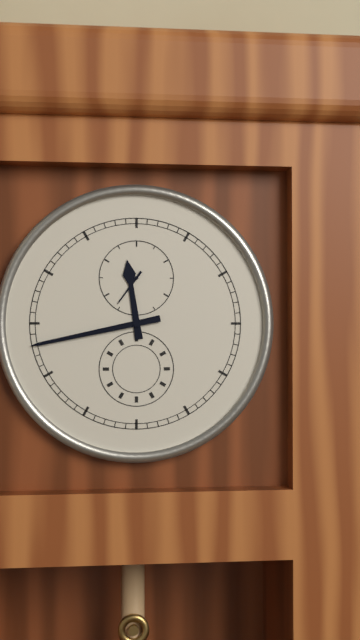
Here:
11 h 43 min
